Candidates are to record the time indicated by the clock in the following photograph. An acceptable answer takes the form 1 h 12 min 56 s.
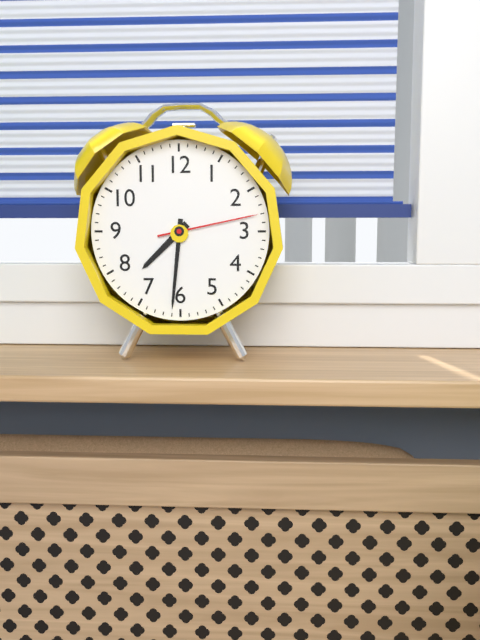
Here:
7 h 31 min 13 s
